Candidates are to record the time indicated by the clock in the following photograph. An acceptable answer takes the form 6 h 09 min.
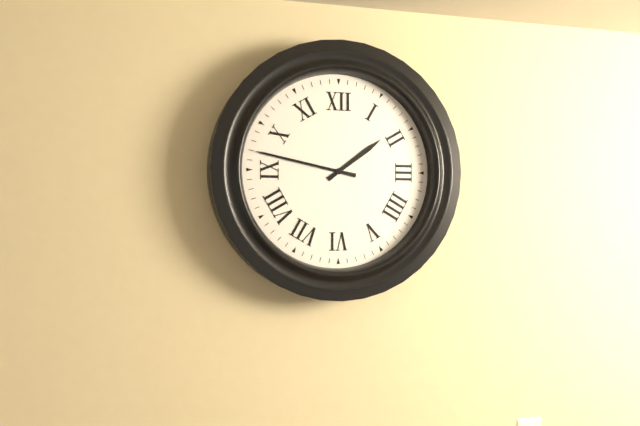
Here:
1 h 47 min
